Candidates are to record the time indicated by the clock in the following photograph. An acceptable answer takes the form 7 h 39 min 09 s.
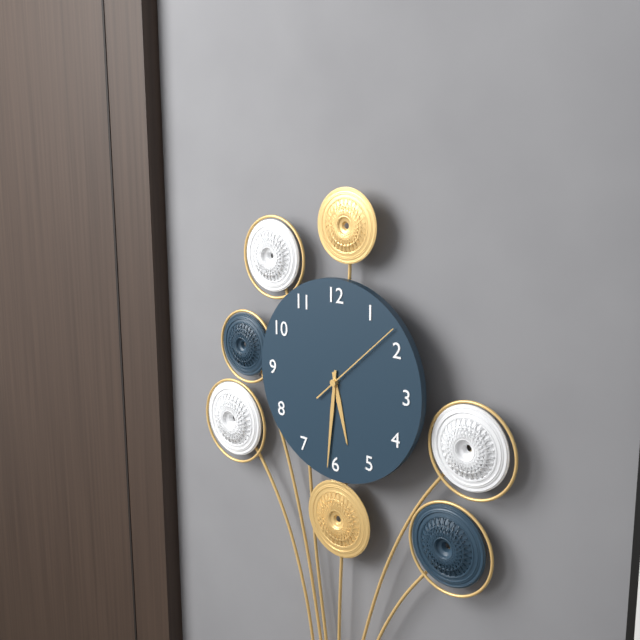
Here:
5 h 31 min 08 s
